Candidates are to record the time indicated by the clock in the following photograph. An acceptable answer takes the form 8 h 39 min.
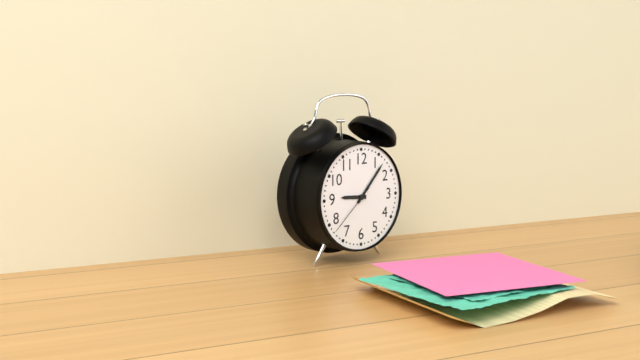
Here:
9 h 07 min
